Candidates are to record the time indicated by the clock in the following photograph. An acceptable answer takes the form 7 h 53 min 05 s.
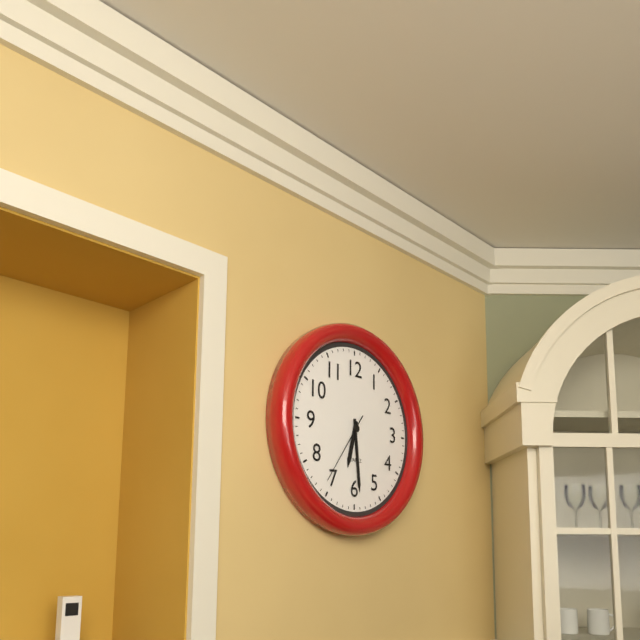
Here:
6 h 29 min 36 s
